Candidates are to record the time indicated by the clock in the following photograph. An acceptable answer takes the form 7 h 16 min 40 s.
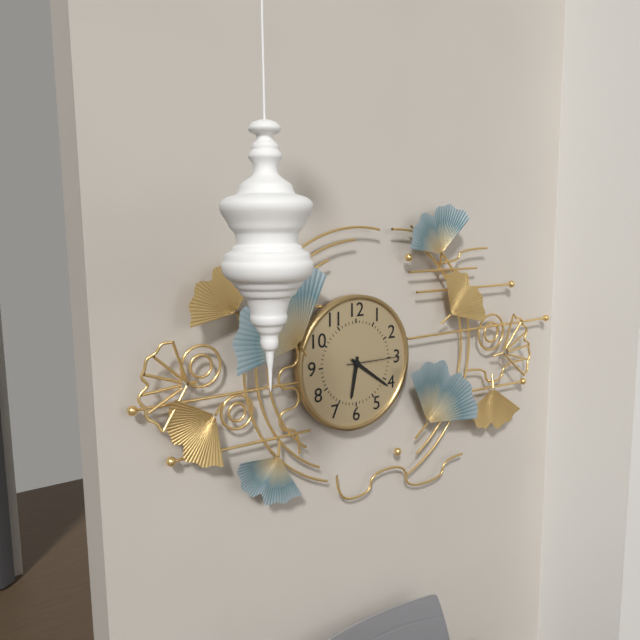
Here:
6 h 21 min 15 s
